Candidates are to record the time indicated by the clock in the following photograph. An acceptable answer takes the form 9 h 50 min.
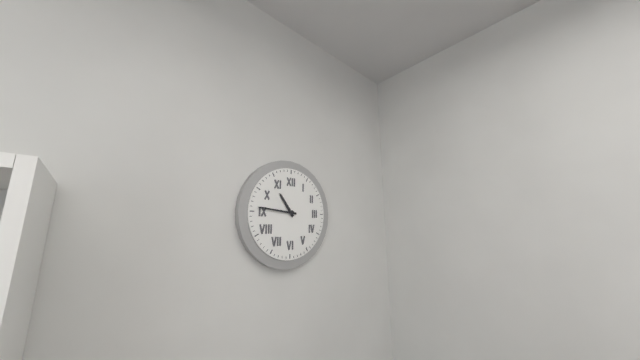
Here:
10 h 46 min
